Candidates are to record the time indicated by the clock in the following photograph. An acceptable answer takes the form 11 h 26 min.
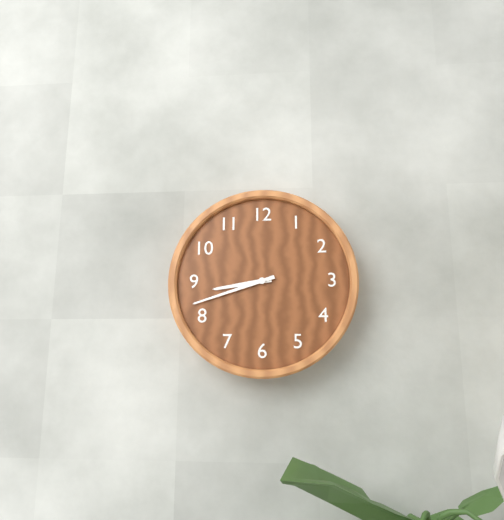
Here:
8 h 42 min
